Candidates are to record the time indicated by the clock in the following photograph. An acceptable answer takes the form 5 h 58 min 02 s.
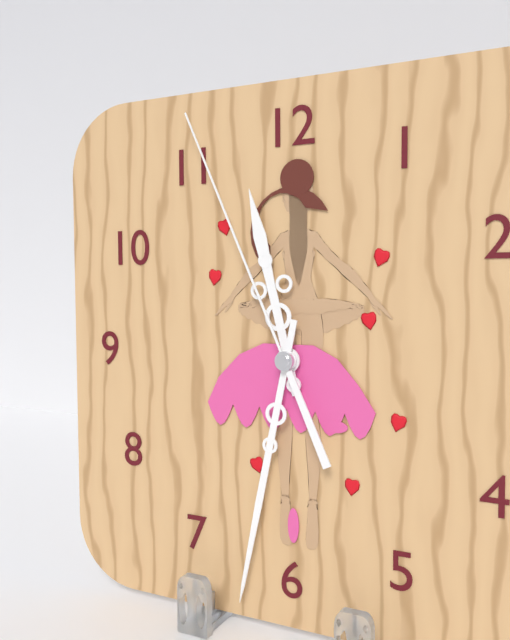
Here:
11 h 32 min 56 s
